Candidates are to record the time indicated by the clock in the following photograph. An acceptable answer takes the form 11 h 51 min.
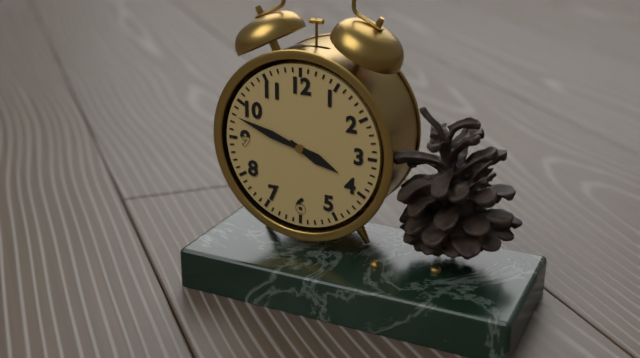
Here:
3 h 48 min
